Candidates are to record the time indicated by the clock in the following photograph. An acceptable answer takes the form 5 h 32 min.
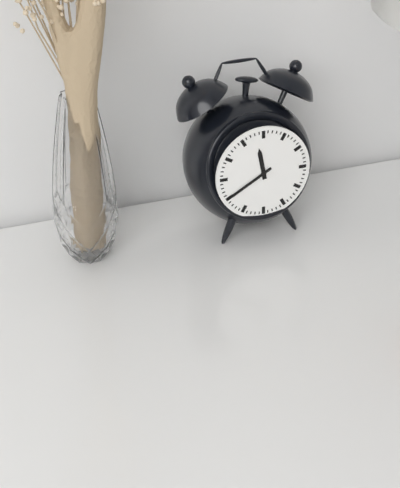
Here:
11 h 40 min
